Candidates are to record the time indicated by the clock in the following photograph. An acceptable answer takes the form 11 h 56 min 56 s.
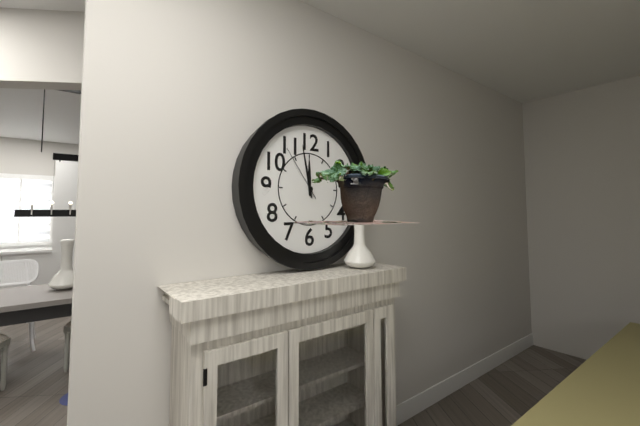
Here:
11 h 58 min 54 s
